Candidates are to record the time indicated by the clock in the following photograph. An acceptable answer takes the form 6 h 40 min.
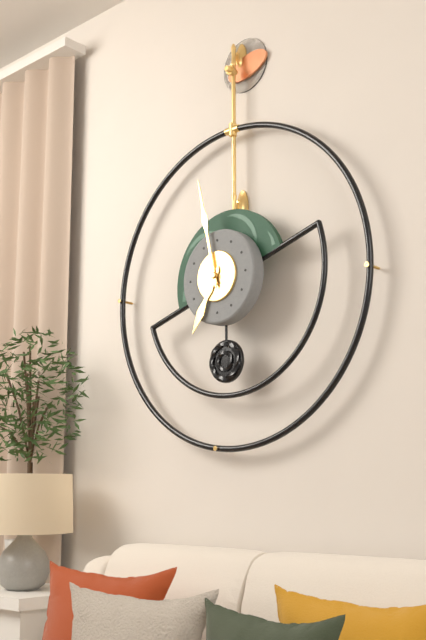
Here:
6 h 58 min
